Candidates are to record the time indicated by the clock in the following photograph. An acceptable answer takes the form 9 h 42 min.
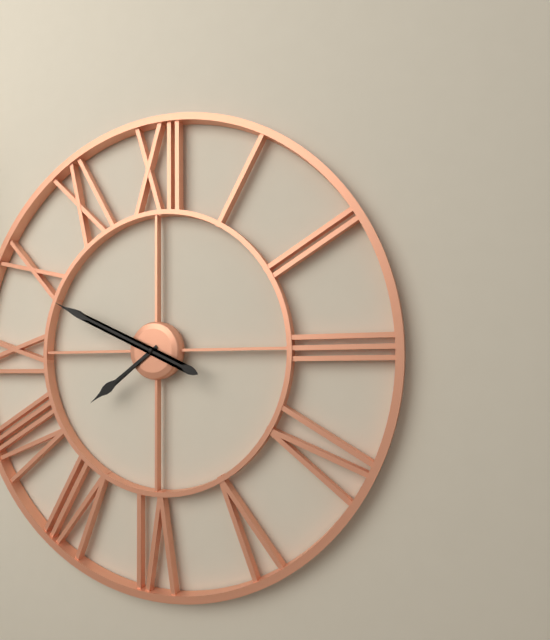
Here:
7 h 49 min
